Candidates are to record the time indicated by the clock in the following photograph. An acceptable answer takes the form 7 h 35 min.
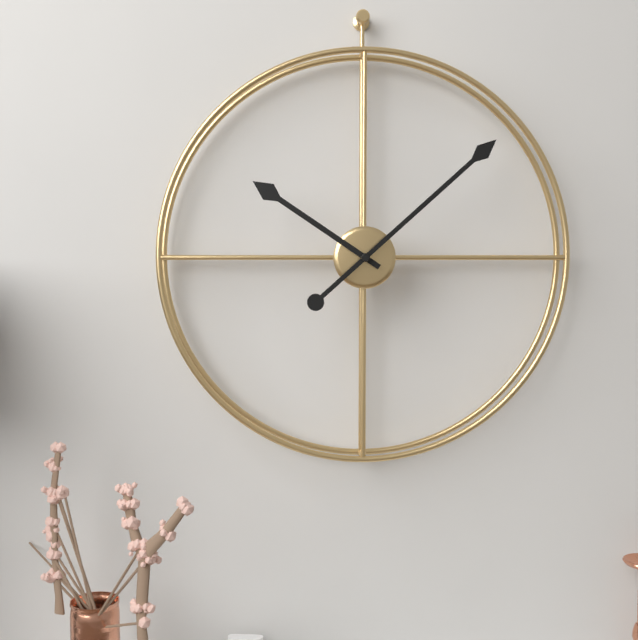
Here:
10 h 08 min
